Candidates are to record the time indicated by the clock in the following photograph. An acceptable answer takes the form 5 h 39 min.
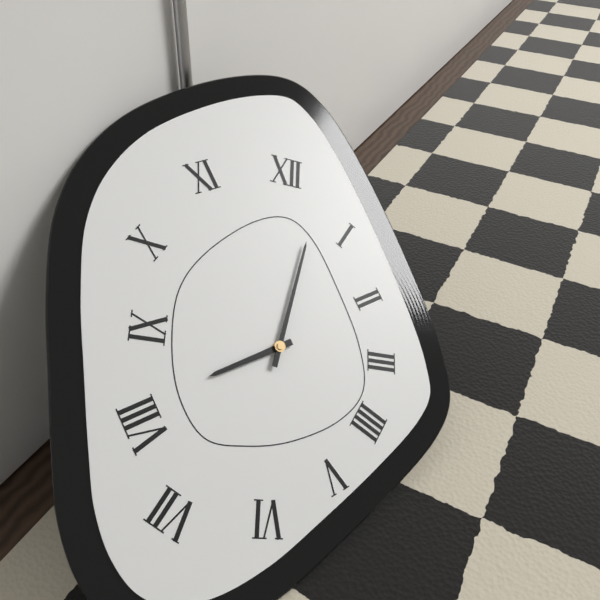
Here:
8 h 02 min
